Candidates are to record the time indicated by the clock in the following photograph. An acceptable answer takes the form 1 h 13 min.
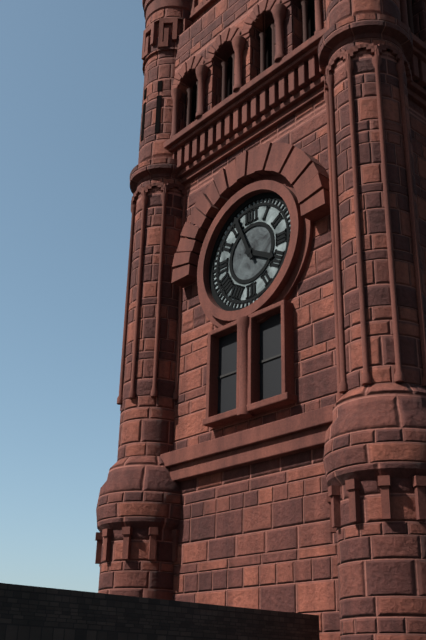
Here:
3 h 56 min
